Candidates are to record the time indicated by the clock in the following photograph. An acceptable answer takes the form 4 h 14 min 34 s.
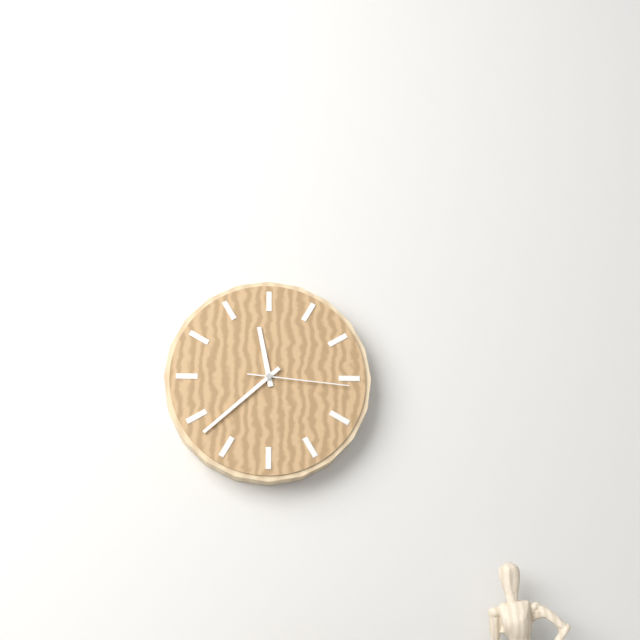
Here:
11 h 38 min 16 s
